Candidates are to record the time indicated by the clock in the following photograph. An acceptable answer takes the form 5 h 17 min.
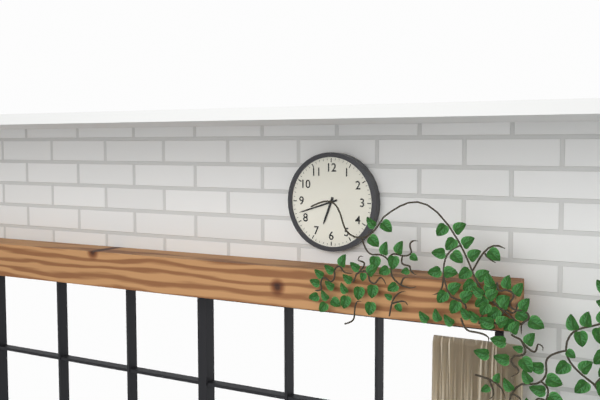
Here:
6 h 42 min
